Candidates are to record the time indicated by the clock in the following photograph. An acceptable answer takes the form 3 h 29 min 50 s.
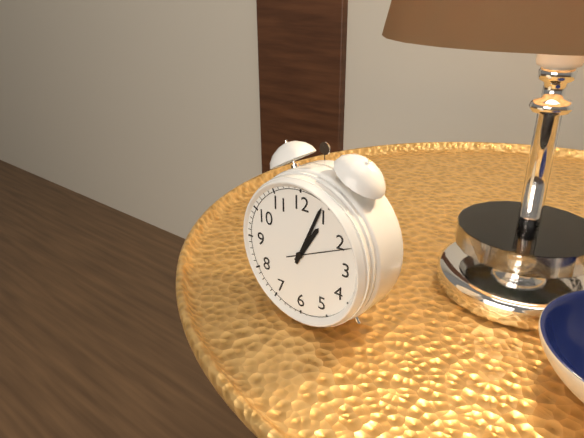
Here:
1 h 04 min 11 s
